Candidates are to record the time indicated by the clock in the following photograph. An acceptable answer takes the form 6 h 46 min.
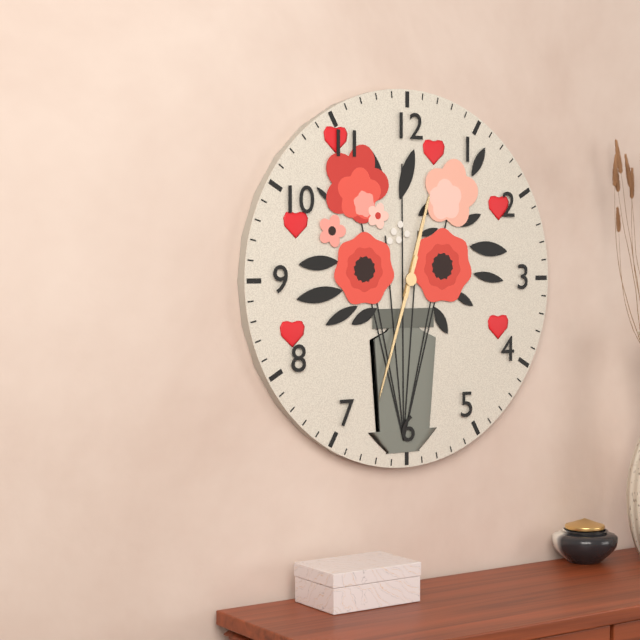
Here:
12 h 33 min
